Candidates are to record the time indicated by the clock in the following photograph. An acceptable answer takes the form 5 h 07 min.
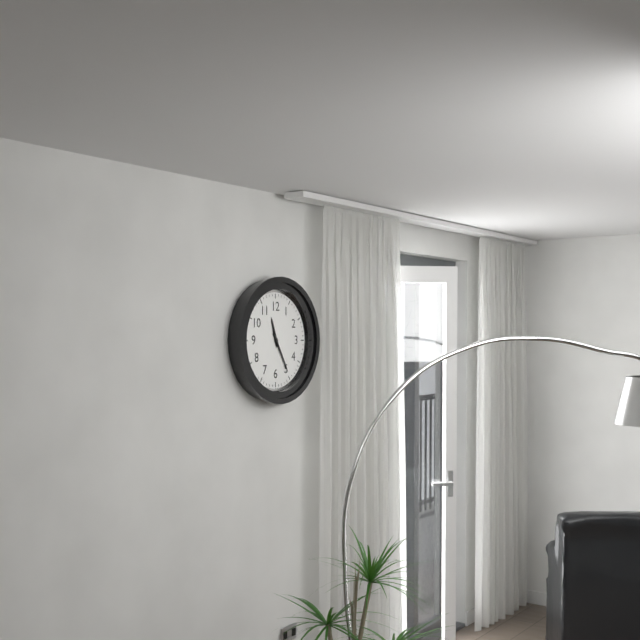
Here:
11 h 25 min
